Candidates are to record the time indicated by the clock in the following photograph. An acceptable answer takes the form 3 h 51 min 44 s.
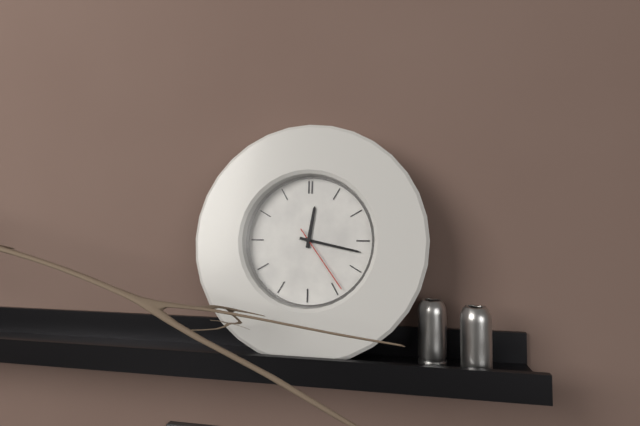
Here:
12 h 17 min 24 s
